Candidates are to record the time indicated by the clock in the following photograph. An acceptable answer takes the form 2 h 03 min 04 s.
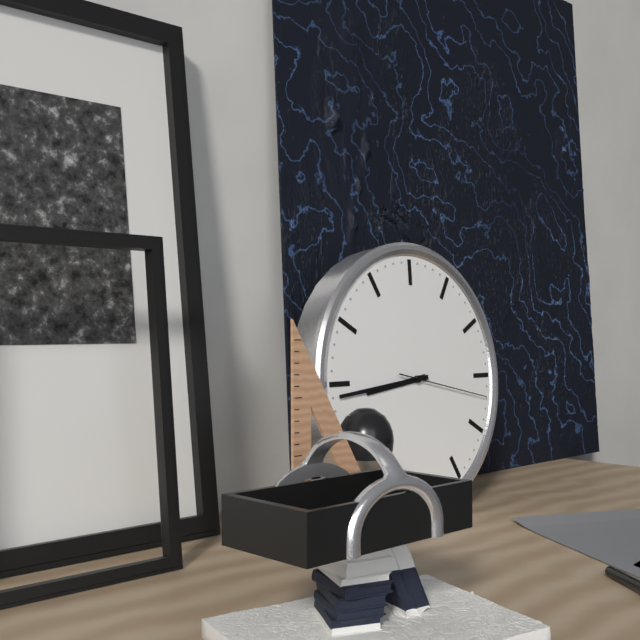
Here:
8 h 44 min 17 s
